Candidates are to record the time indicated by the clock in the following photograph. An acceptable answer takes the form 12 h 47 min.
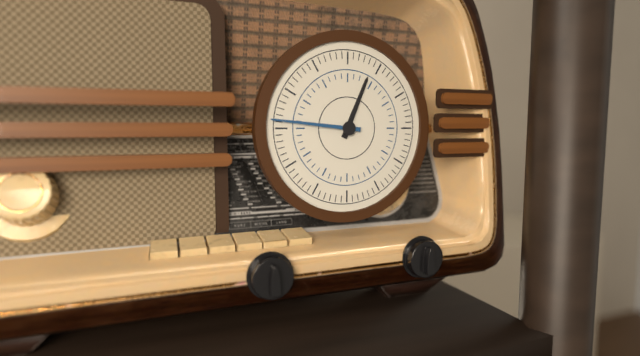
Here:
12 h 46 min
